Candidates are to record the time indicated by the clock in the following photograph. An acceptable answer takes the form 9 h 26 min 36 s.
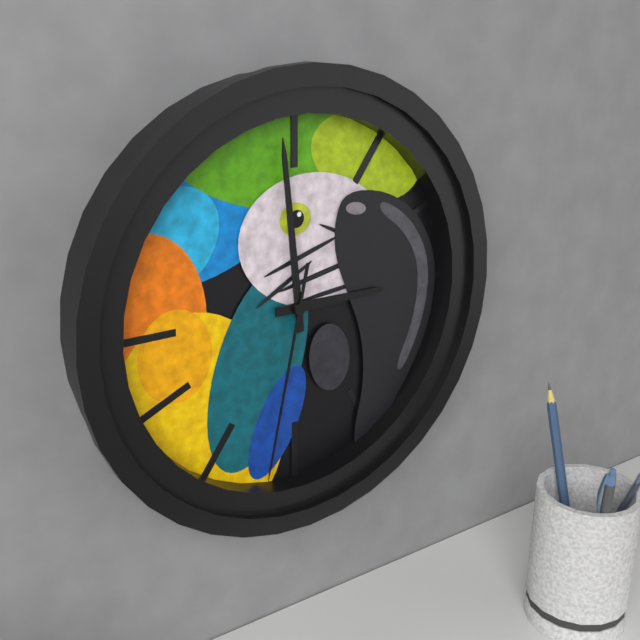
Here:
2 h 59 min 32 s
